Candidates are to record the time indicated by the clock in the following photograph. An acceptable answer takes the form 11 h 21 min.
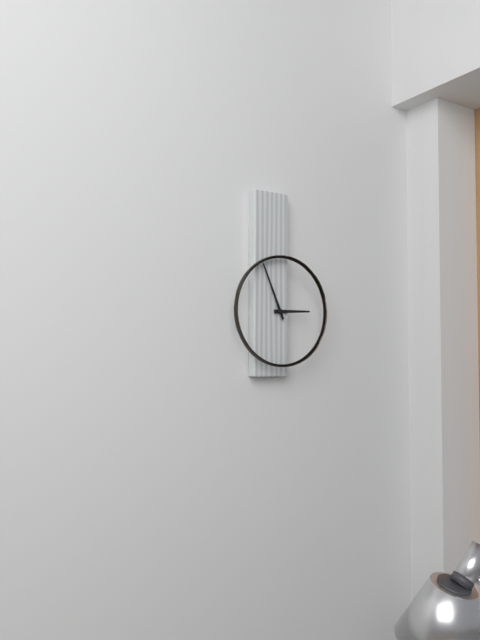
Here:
2 h 56 min
